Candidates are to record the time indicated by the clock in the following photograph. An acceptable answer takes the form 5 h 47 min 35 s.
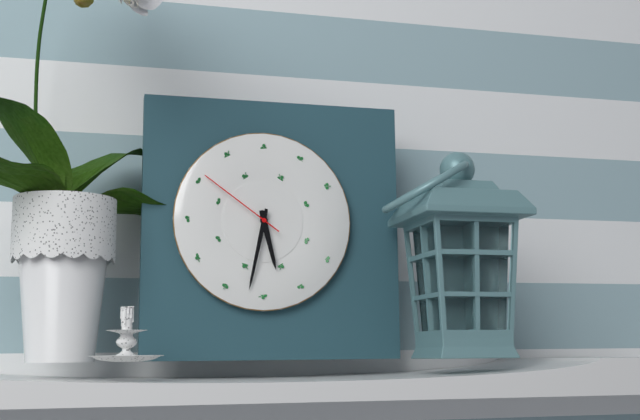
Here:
5 h 32 min 51 s
